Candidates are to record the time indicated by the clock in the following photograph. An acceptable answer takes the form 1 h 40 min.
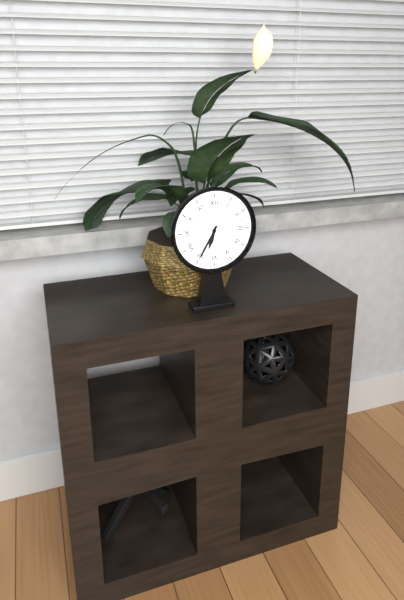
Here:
6 h 35 min
